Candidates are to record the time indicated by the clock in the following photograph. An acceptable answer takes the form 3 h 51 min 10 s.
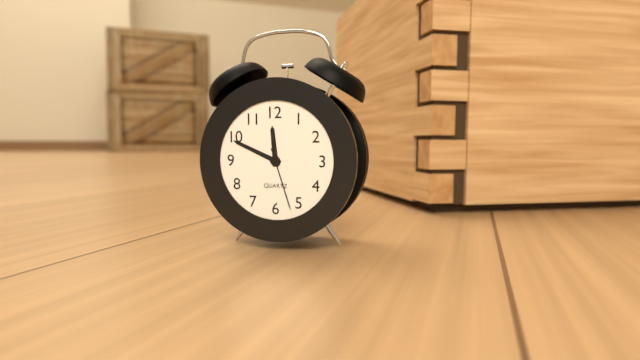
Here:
11 h 49 min 27 s
